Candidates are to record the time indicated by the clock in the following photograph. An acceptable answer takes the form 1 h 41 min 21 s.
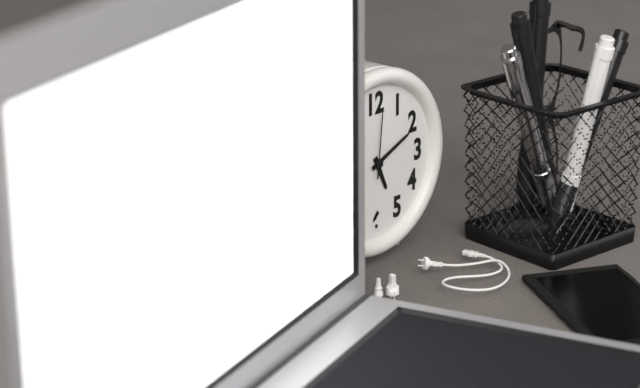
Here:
5 h 11 min 01 s
